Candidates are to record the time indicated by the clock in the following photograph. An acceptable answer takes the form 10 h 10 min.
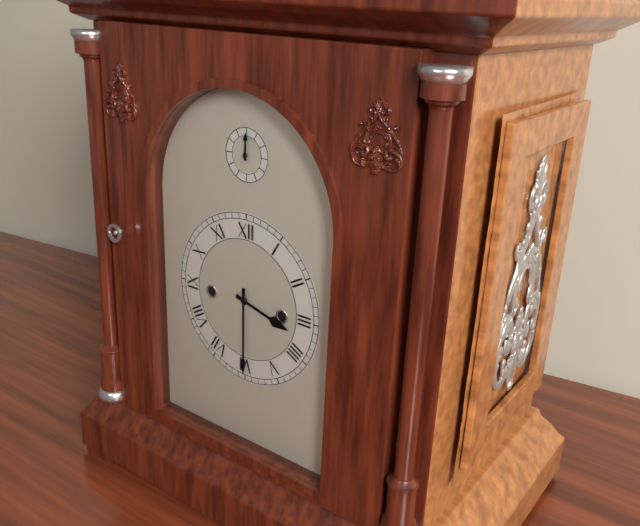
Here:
3 h 30 min
